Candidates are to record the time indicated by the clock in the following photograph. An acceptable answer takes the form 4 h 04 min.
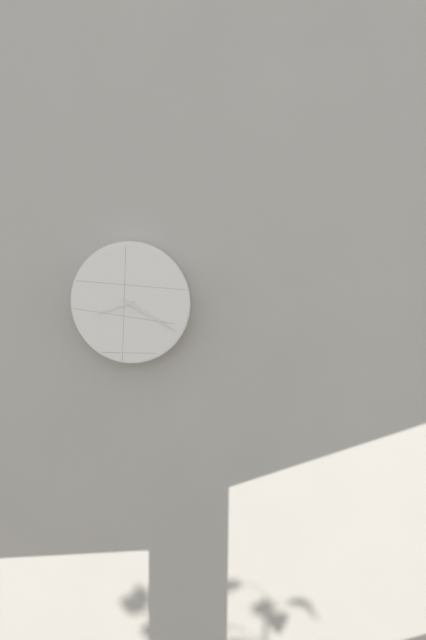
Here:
8 h 20 min
